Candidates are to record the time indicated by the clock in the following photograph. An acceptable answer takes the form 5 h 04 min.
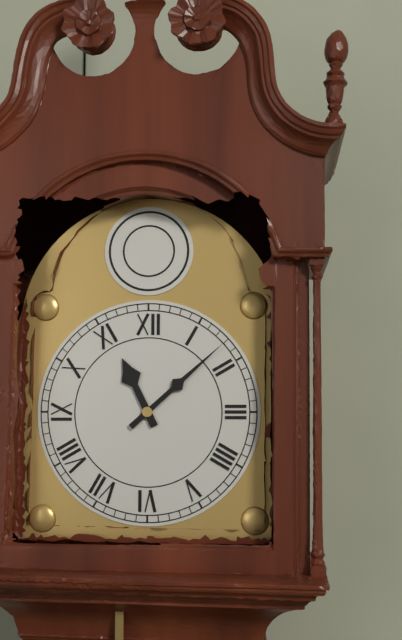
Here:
11 h 08 min
